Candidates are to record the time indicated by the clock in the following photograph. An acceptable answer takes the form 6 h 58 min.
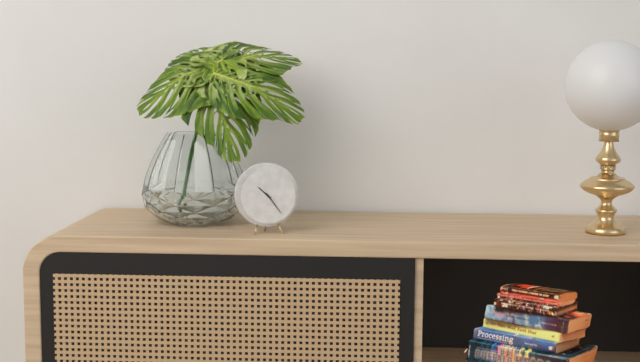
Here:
10 h 24 min
